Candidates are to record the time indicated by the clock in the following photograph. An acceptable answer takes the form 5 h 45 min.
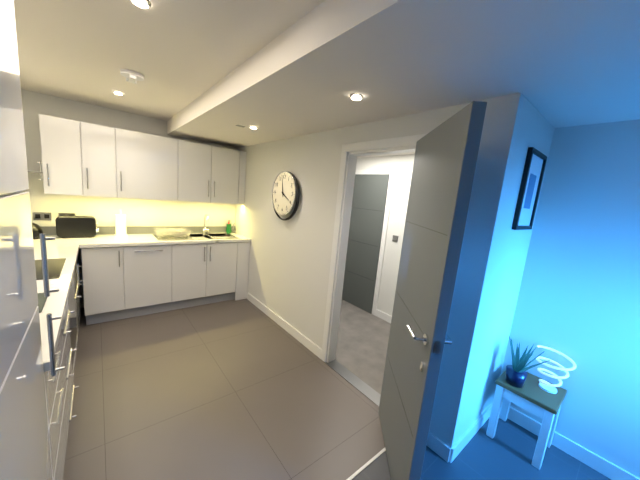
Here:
3 h 58 min
